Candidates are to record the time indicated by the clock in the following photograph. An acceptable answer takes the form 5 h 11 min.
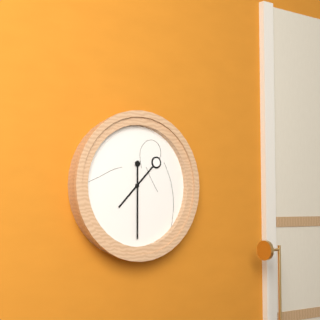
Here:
7 h 30 min
